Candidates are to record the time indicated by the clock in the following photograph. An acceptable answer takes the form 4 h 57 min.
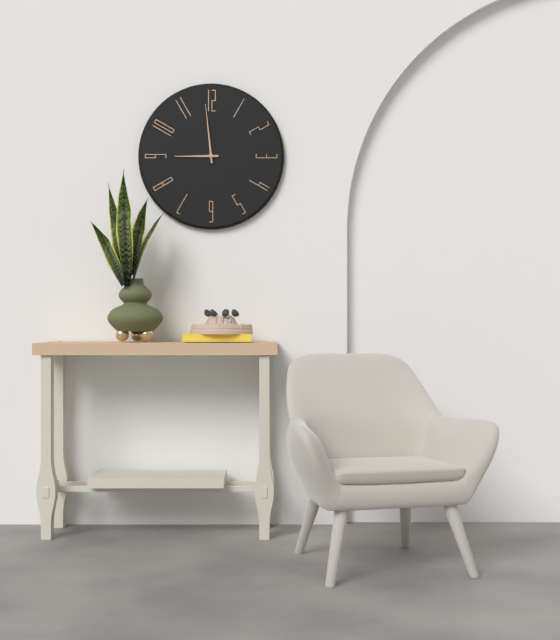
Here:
8 h 59 min
